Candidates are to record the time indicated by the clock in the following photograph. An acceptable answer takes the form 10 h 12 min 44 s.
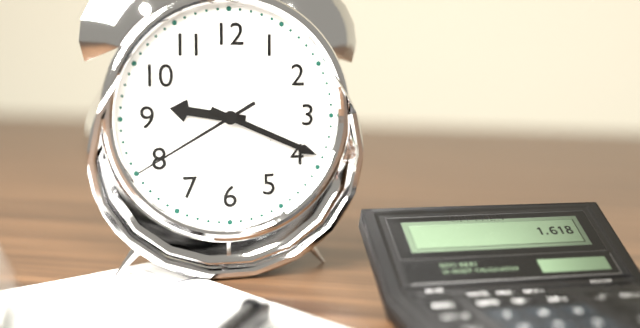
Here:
9 h 19 min 40 s
